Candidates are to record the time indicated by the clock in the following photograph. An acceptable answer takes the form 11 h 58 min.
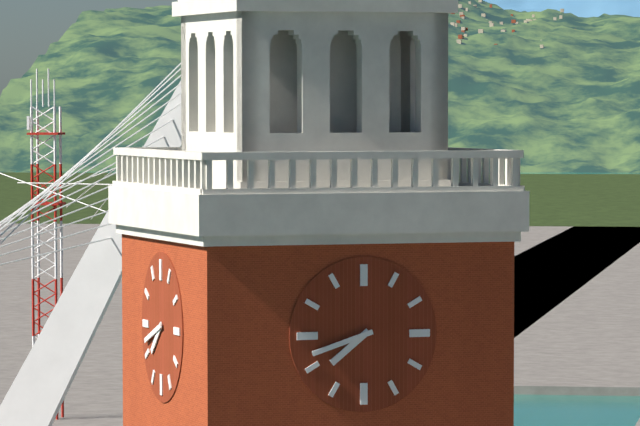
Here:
7 h 42 min
